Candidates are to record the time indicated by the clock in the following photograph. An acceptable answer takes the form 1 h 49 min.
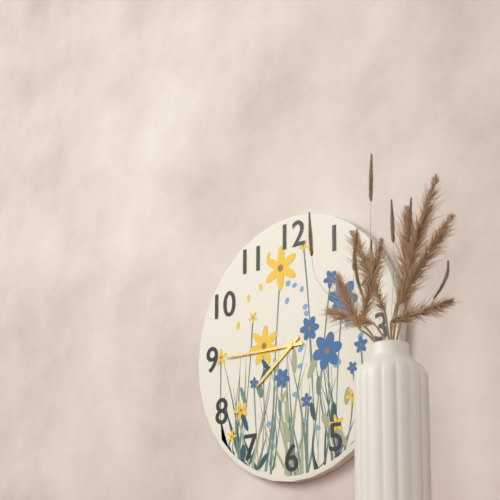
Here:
7 h 45 min
